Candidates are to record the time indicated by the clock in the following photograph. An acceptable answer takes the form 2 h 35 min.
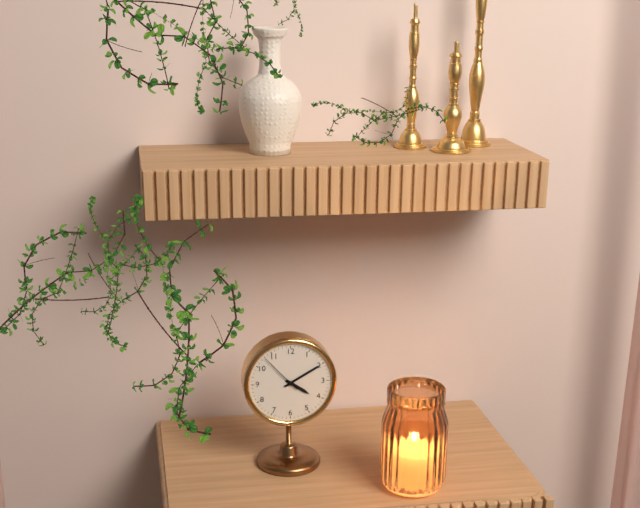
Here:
4 h 10 min
